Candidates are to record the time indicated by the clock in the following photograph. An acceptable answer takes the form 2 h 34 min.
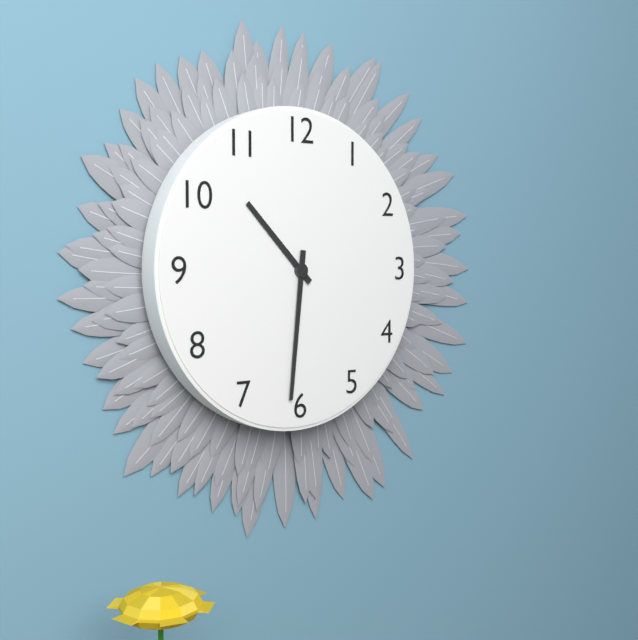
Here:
10 h 31 min
